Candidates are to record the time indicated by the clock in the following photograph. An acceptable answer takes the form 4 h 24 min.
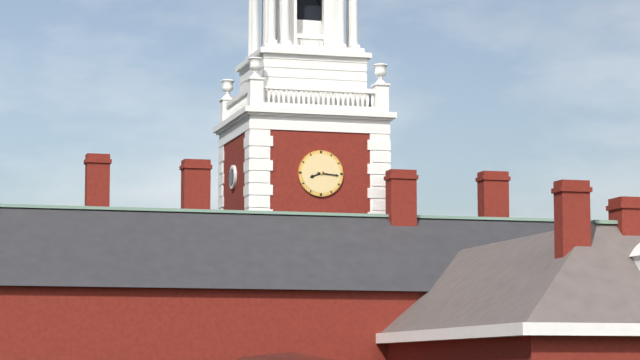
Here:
8 h 16 min
